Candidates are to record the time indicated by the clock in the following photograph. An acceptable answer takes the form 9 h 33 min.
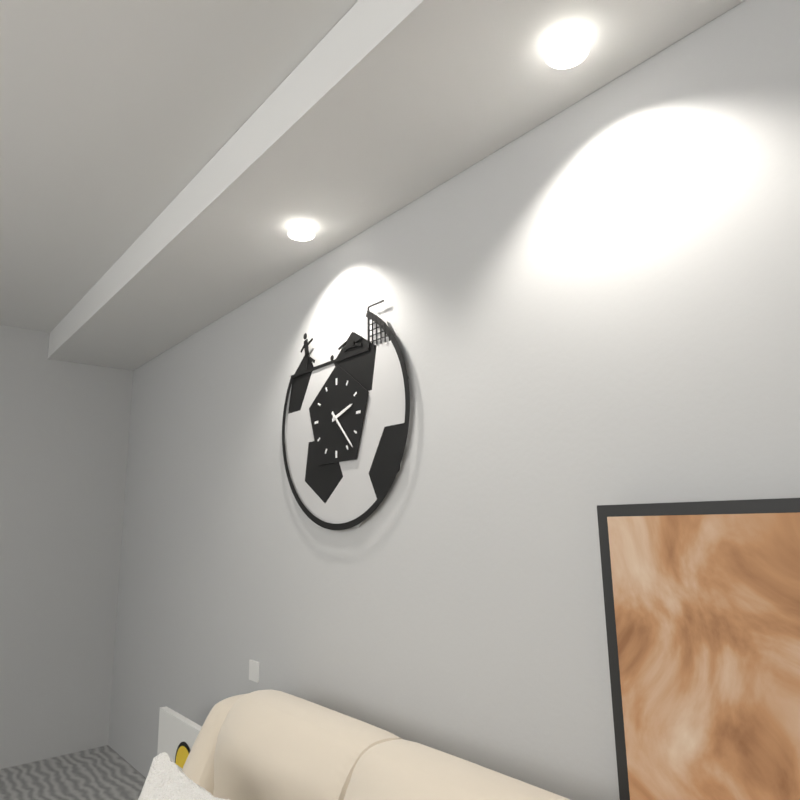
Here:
2 h 23 min
